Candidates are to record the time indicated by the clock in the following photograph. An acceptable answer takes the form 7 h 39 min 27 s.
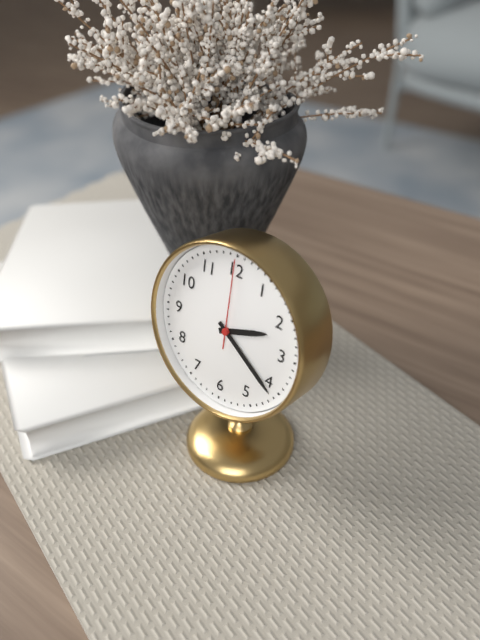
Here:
2 h 21 min 00 s
